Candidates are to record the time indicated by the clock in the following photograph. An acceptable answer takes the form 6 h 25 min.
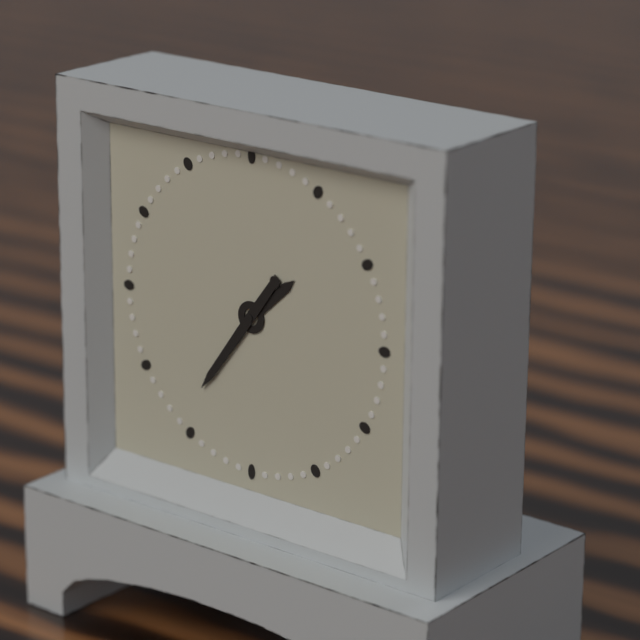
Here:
1 h 36 min
